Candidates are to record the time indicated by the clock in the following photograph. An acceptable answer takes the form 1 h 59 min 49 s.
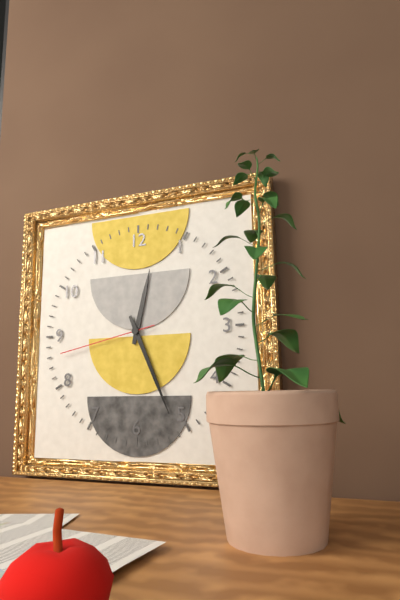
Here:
12 h 26 min 43 s
